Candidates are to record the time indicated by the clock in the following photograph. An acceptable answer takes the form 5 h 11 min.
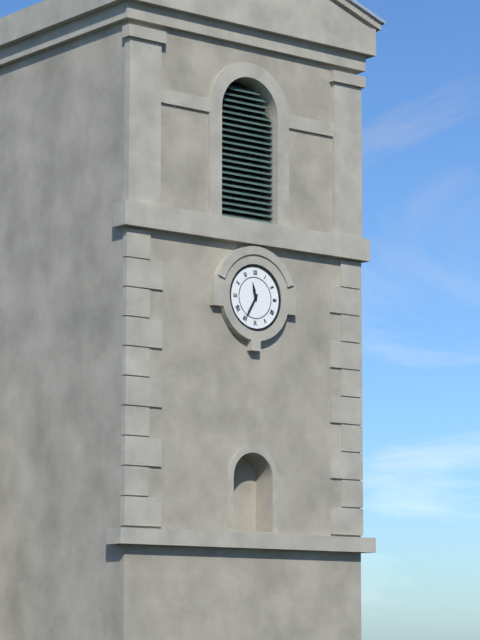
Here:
11 h 35 min
